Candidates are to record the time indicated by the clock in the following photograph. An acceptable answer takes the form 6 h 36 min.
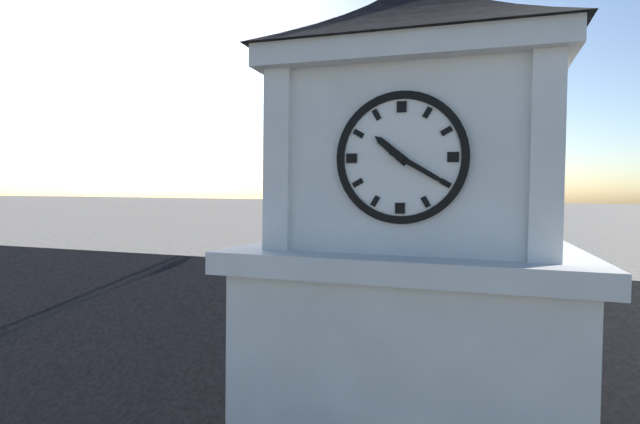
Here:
10 h 20 min
